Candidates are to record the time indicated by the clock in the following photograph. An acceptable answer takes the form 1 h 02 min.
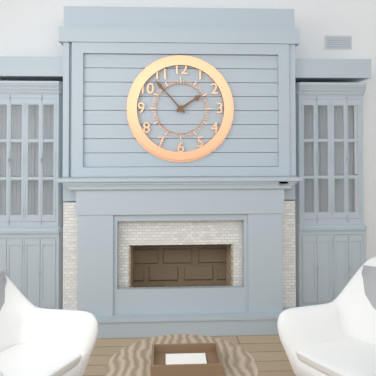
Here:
1 h 53 min
